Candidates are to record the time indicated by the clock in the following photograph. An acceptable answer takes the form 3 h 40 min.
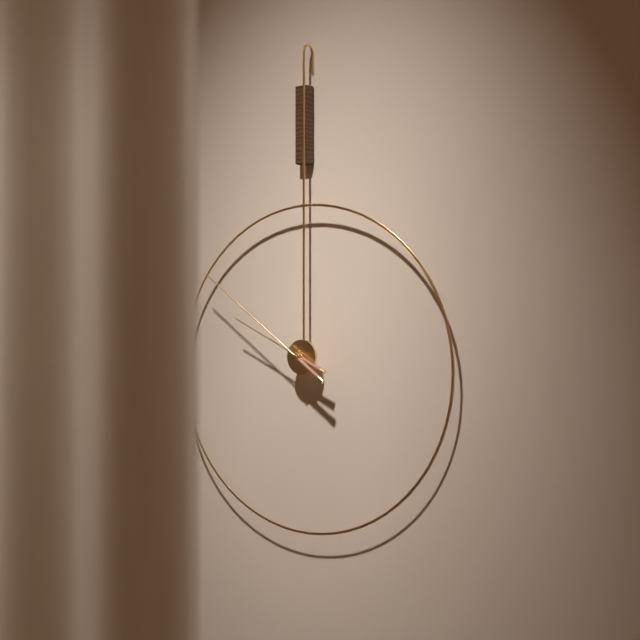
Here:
9 h 51 min
